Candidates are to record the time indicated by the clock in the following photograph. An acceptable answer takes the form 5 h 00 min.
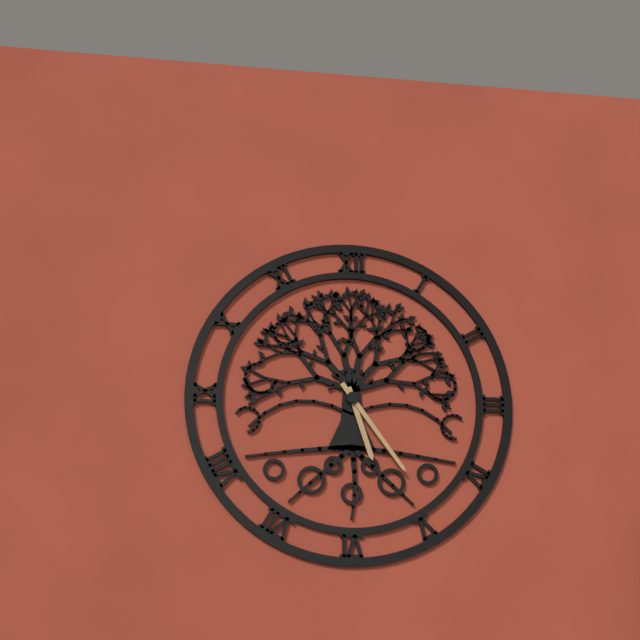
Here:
5 h 24 min
